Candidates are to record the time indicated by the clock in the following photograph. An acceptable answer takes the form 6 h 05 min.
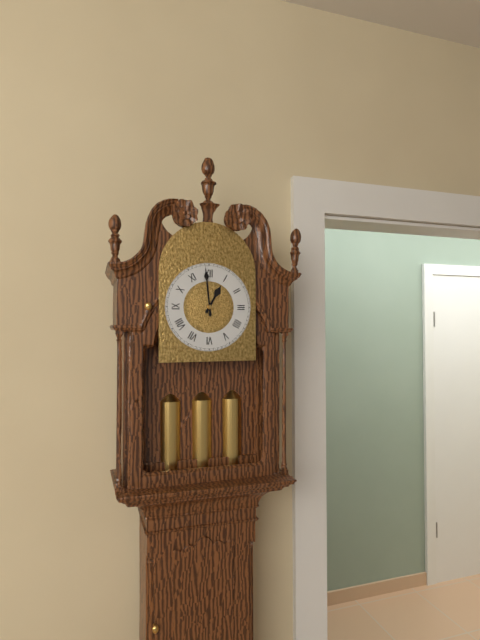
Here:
12 h 59 min
